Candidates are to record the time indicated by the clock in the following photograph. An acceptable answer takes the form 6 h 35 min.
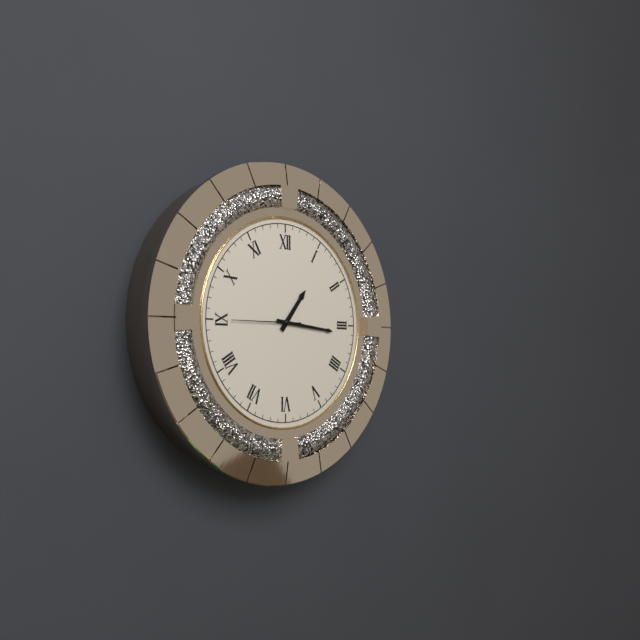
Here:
1 h 16 min
